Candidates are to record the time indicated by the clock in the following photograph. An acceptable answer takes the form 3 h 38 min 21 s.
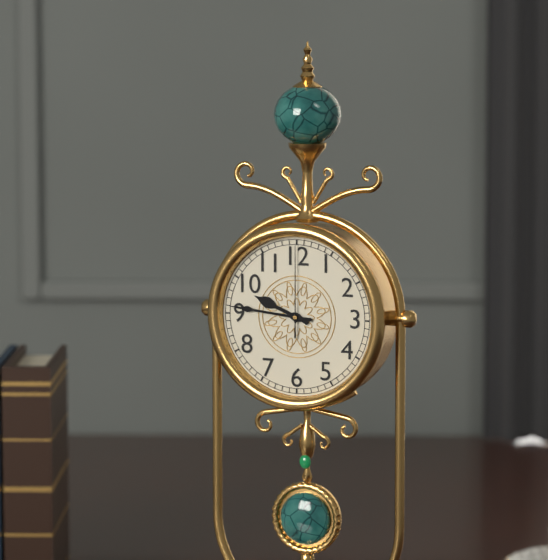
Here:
9 h 46 min 00 s
